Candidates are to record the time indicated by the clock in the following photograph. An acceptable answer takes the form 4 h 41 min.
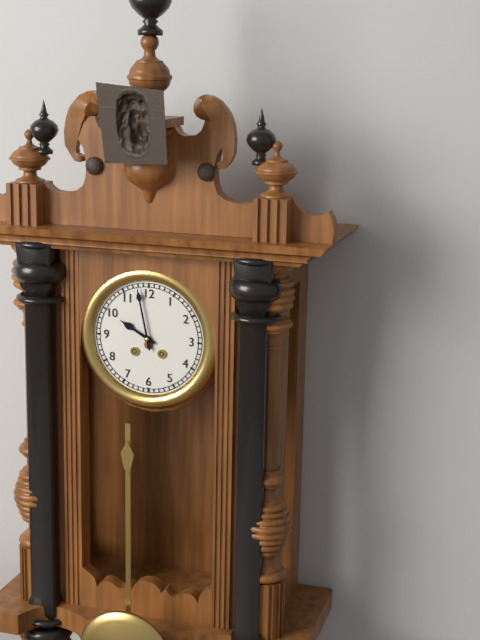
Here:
9 h 58 min
